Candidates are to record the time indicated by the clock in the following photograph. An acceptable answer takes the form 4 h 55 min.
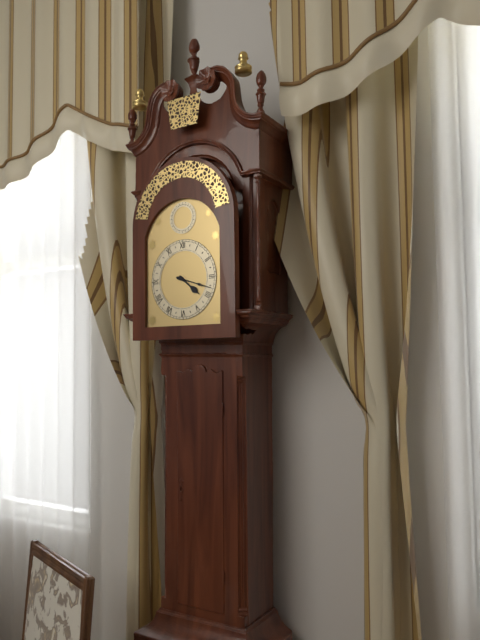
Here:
4 h 18 min
